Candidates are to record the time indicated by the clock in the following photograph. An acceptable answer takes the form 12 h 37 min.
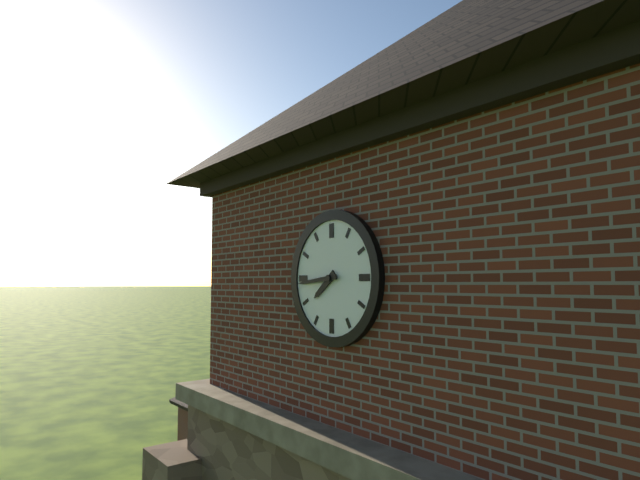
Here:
7 h 44 min
